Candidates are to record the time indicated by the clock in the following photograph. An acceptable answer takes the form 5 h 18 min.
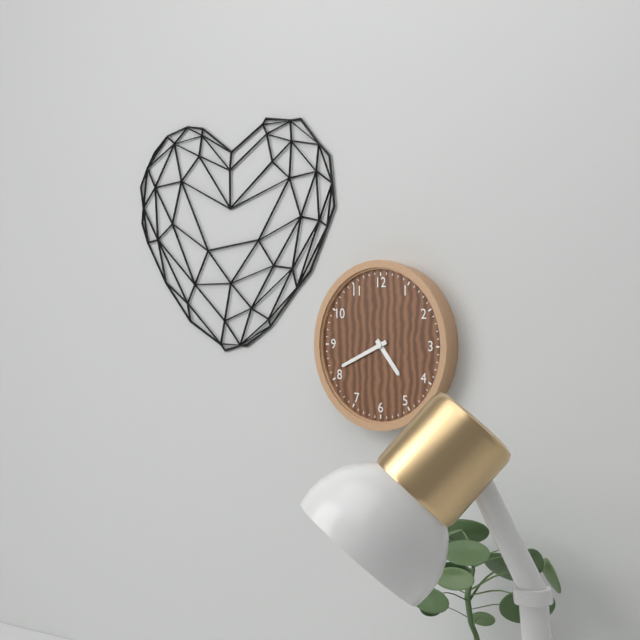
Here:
4 h 41 min
